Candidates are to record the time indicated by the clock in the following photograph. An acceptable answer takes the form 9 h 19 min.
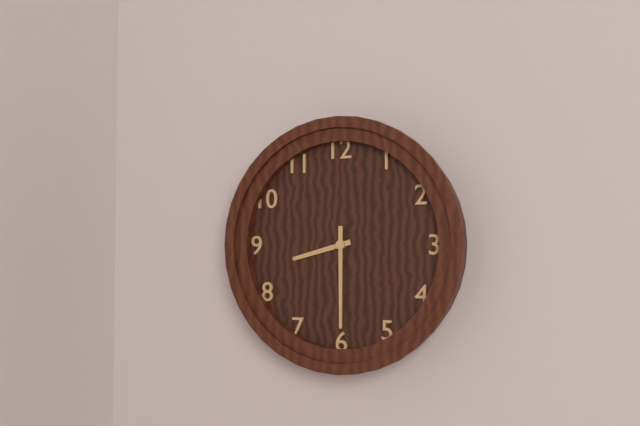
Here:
8 h 30 min
